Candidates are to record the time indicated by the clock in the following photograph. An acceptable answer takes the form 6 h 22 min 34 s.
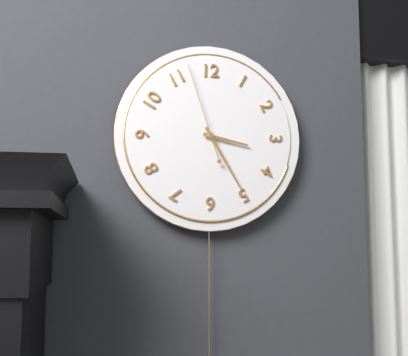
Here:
3 h 25 min 57 s
